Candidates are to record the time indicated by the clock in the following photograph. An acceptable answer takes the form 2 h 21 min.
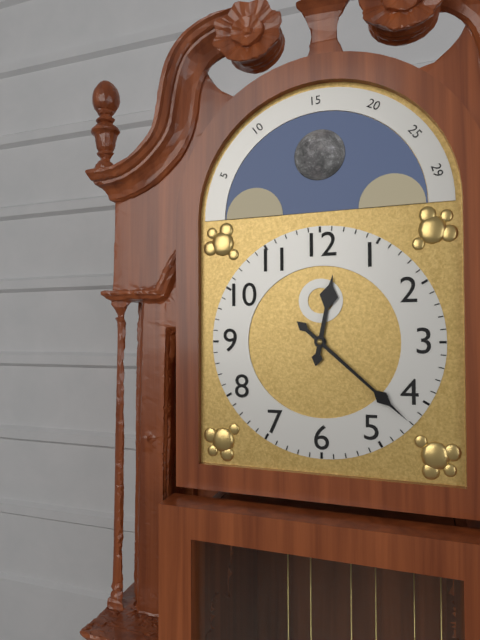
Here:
12 h 22 min
